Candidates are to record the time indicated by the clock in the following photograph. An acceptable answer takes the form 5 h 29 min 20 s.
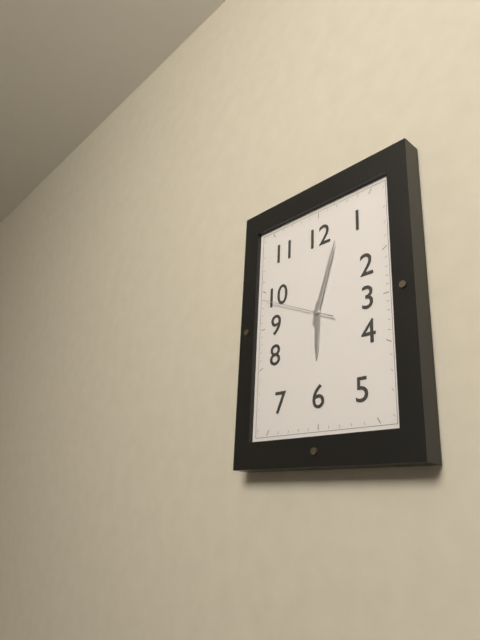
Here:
6 h 03 min 49 s
